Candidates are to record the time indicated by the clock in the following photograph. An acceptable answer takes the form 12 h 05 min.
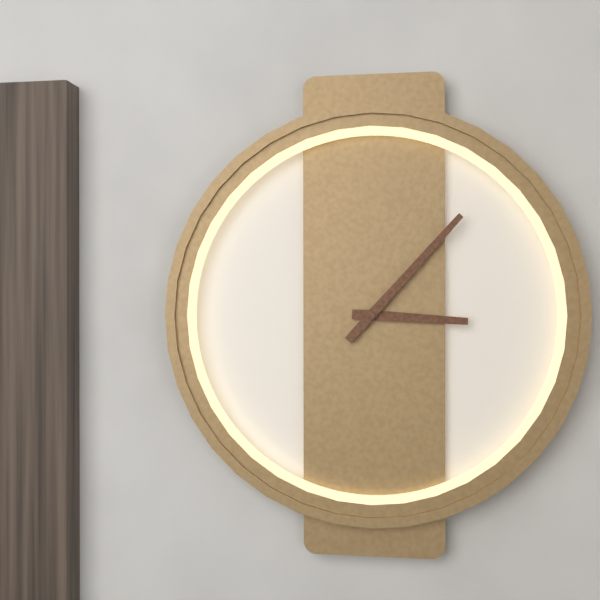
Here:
3 h 07 min
